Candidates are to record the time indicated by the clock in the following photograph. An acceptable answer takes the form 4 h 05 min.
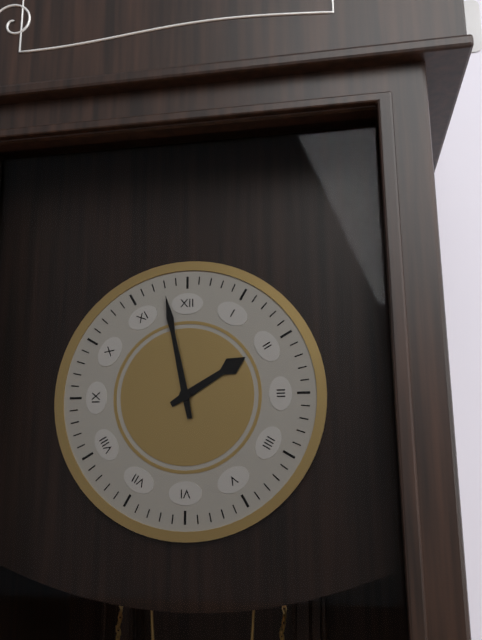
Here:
1 h 58 min
